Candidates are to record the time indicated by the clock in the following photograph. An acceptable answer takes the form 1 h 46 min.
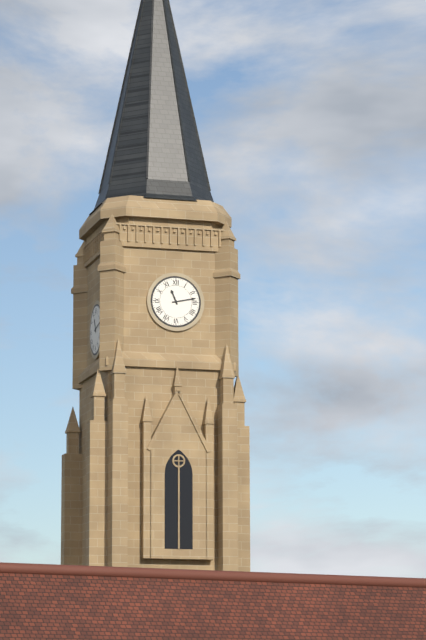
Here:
11 h 13 min
